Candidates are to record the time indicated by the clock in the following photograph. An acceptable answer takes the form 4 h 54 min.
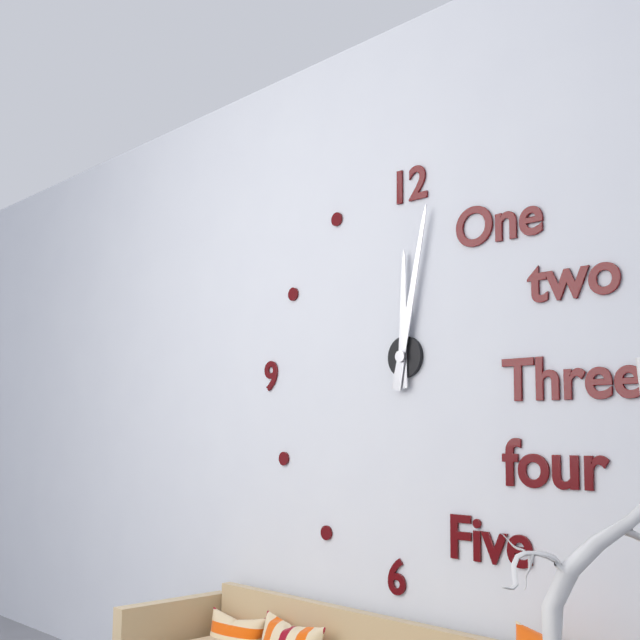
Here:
12 h 02 min
